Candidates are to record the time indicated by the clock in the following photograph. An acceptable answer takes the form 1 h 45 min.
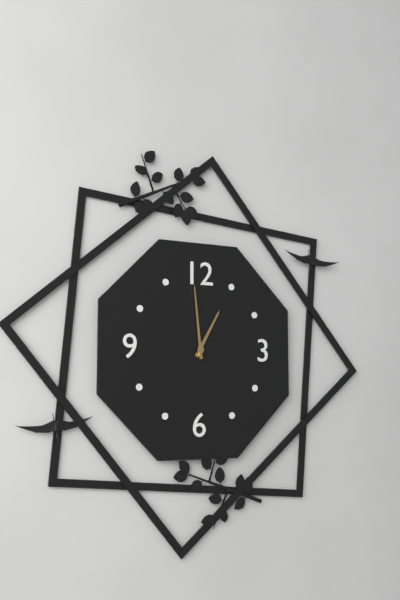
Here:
12 h 59 min
